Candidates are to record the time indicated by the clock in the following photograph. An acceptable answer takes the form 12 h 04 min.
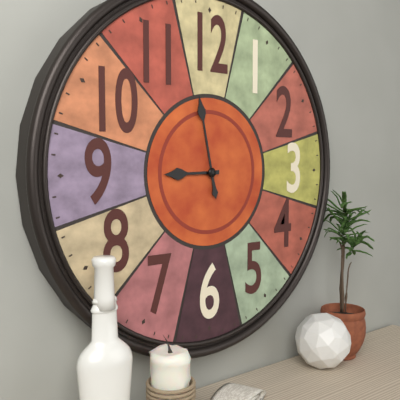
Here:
8 h 58 min
